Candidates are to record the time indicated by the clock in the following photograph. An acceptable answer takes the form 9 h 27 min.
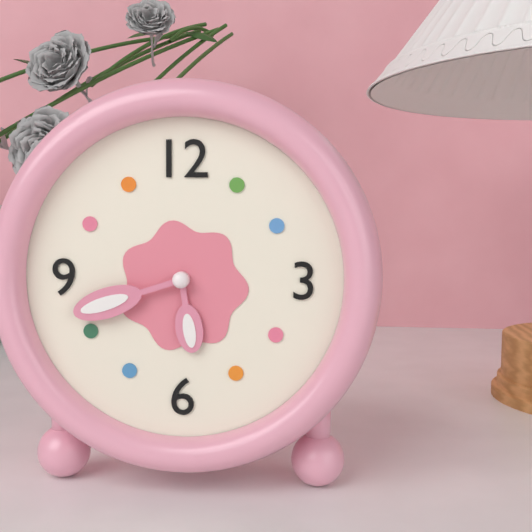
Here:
5 h 42 min
